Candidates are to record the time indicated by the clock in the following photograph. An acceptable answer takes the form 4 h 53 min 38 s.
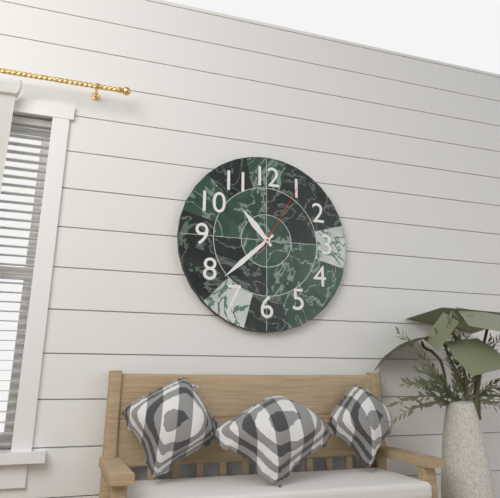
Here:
10 h 38 min 05 s
